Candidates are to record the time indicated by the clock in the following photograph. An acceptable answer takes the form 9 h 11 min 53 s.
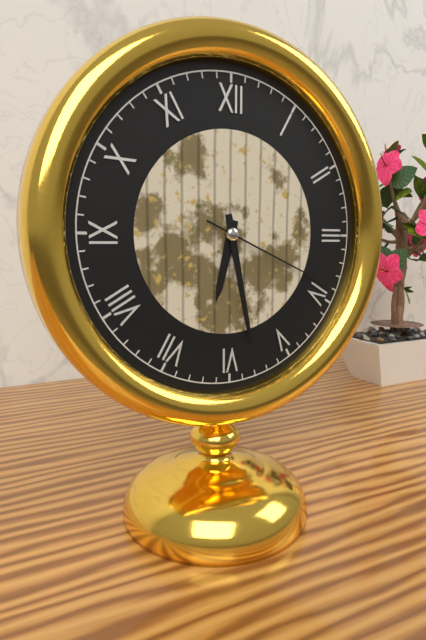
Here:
6 h 28 min 19 s
